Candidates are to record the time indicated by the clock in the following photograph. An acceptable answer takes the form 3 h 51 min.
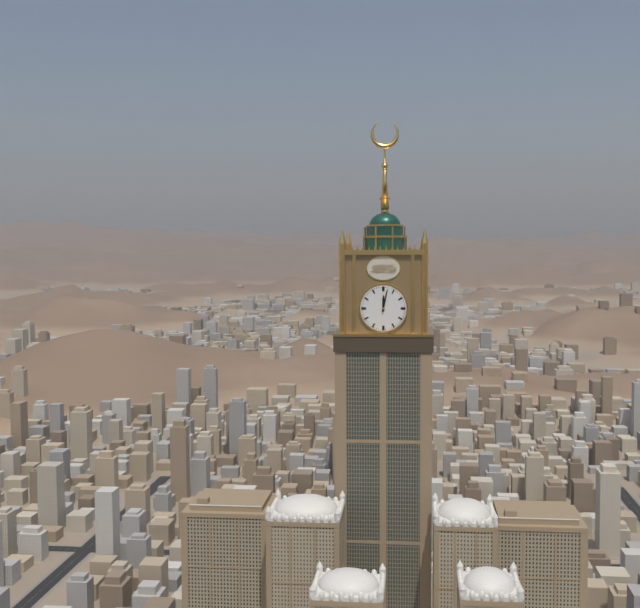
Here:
12 h 02 min
